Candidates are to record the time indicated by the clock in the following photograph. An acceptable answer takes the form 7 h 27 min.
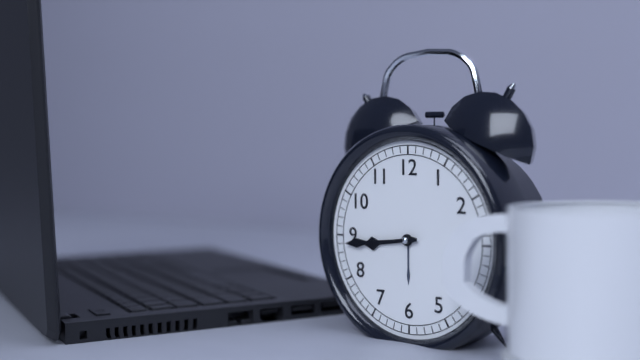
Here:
8 h 44 min
